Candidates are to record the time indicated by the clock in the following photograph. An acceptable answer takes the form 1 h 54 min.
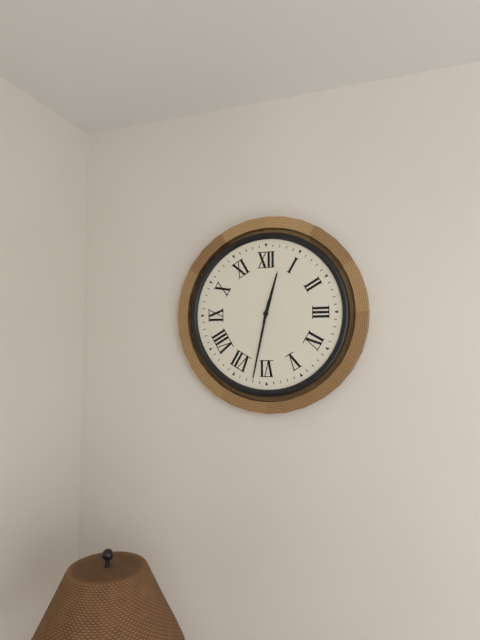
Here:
12 h 32 min
